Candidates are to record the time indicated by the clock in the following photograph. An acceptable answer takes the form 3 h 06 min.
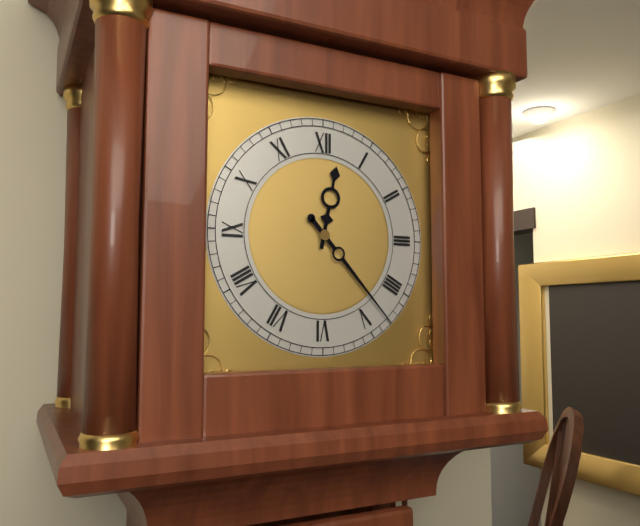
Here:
12 h 23 min
